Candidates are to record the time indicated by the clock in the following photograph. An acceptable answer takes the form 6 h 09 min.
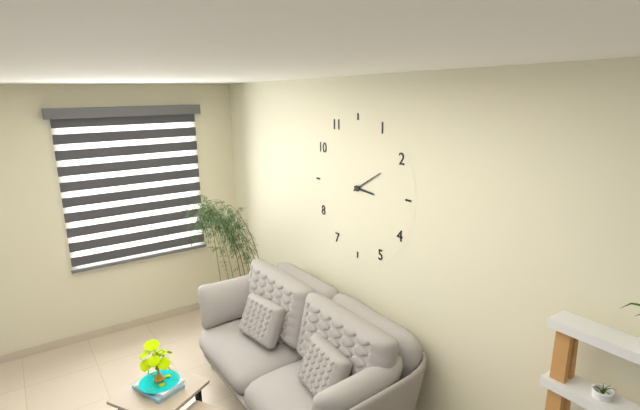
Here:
3 h 10 min
